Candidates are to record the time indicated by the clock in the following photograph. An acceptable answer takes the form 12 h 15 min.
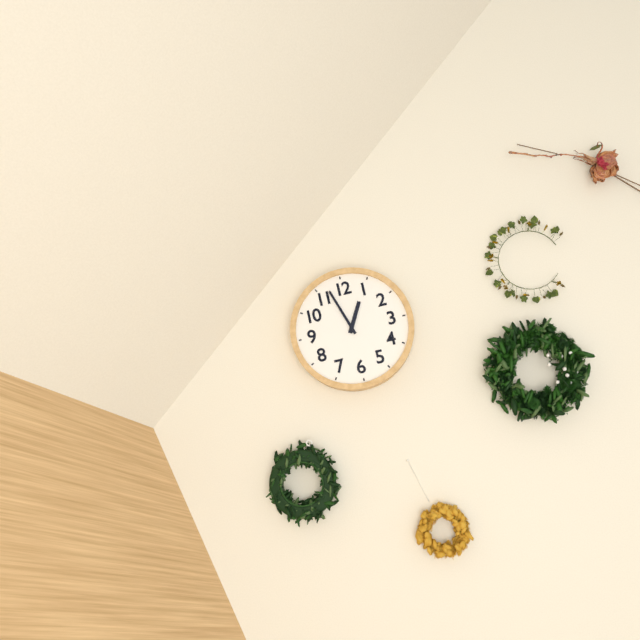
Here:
12 h 57 min
